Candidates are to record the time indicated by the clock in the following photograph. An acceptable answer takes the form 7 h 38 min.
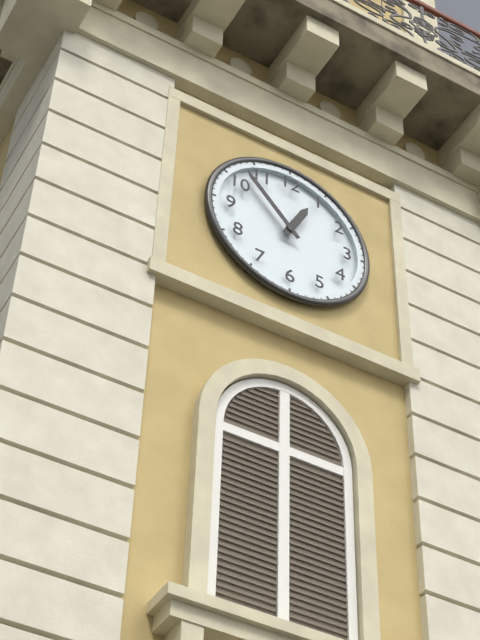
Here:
12 h 53 min
